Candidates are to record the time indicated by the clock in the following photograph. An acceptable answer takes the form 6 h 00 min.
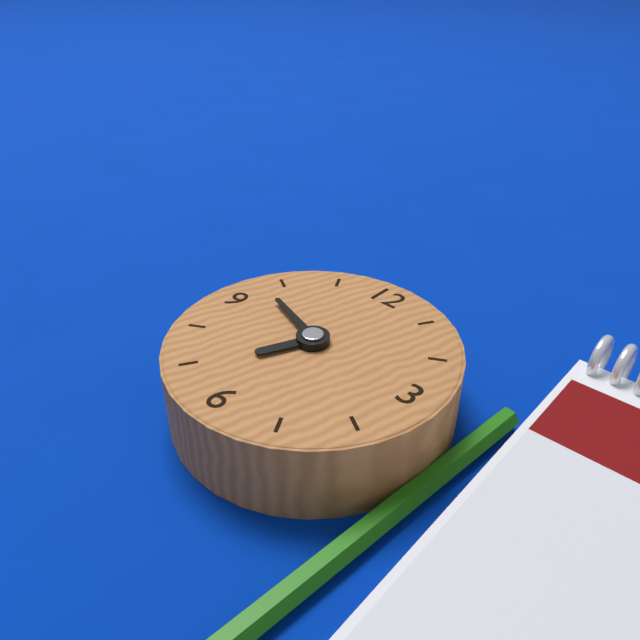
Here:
6 h 48 min
